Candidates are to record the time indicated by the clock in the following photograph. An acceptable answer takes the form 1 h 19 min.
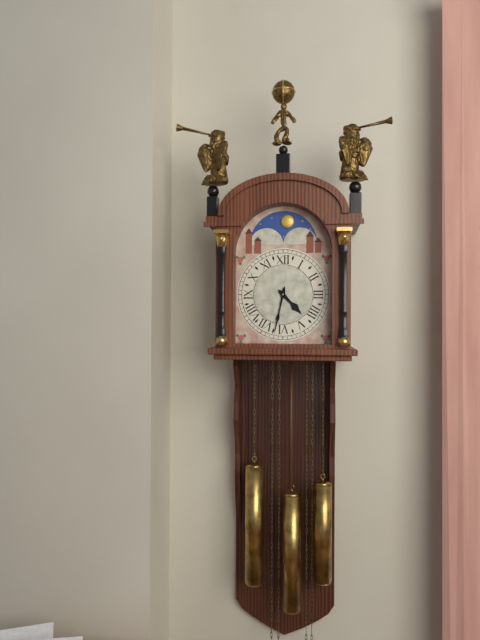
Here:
4 h 32 min
